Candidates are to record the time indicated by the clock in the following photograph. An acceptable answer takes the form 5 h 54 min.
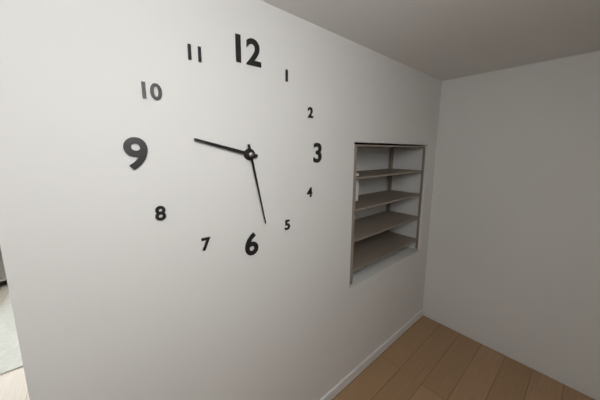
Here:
9 h 28 min
